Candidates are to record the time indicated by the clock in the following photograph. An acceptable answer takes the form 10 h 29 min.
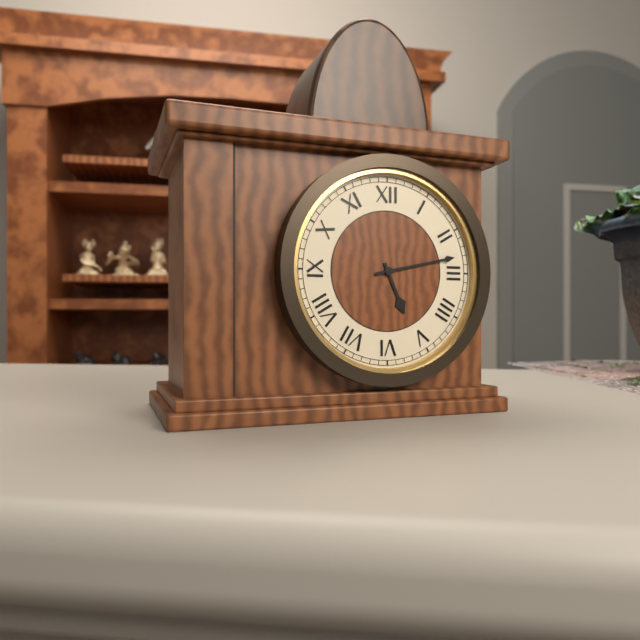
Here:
5 h 13 min
